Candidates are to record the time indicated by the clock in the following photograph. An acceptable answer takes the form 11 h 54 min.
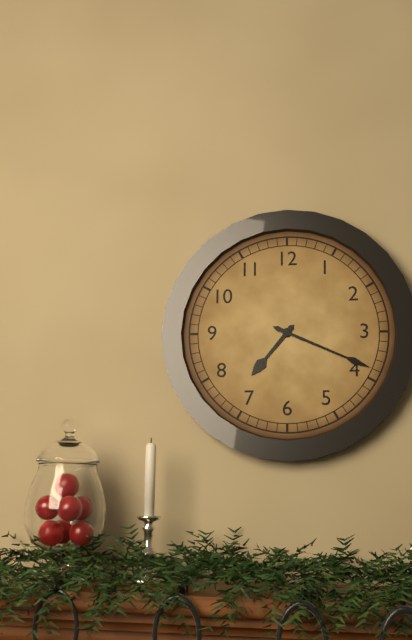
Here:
7 h 19 min
